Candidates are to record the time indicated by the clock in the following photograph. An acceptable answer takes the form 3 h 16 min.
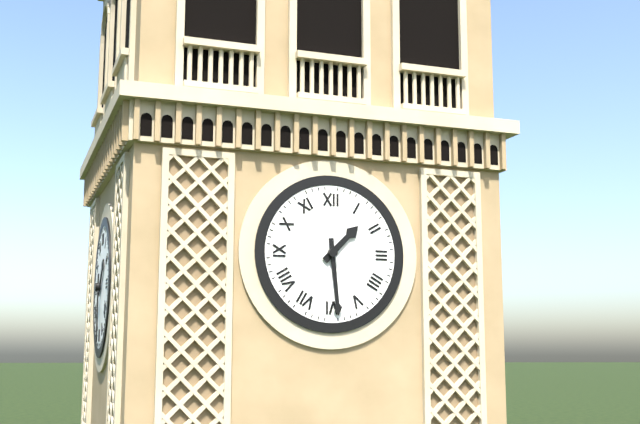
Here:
1 h 29 min
